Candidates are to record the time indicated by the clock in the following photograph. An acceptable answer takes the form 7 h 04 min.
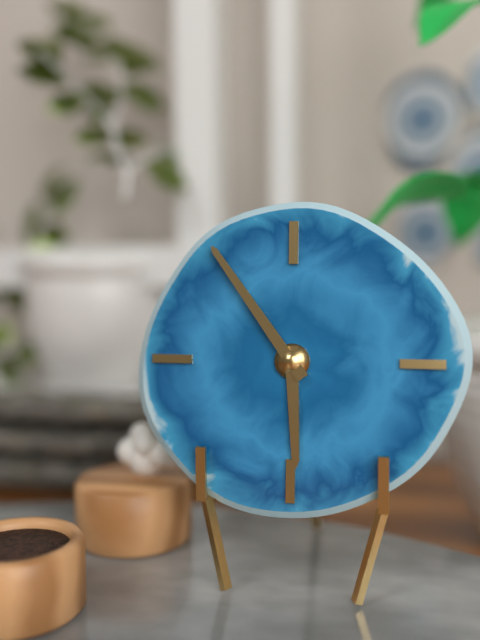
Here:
5 h 54 min
